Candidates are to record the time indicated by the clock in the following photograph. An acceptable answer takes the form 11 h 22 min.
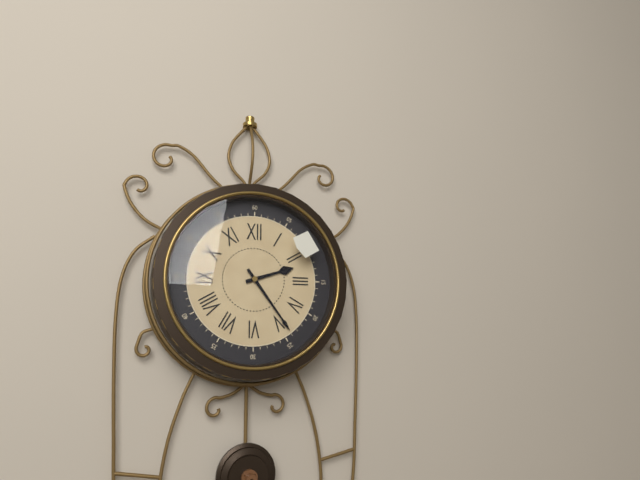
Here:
2 h 24 min
